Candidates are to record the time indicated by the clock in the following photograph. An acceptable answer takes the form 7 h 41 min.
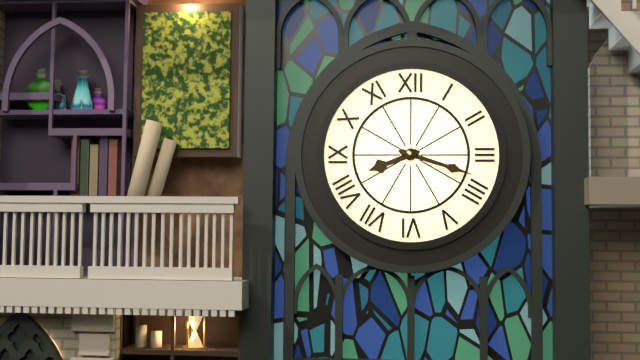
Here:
8 h 18 min
